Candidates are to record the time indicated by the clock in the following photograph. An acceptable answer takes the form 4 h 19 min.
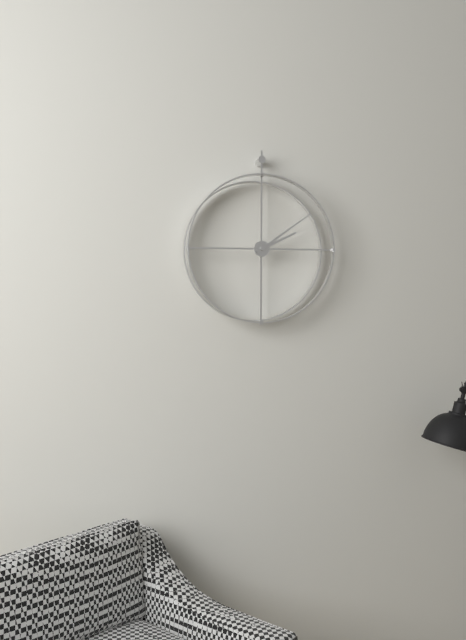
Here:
2 h 09 min
